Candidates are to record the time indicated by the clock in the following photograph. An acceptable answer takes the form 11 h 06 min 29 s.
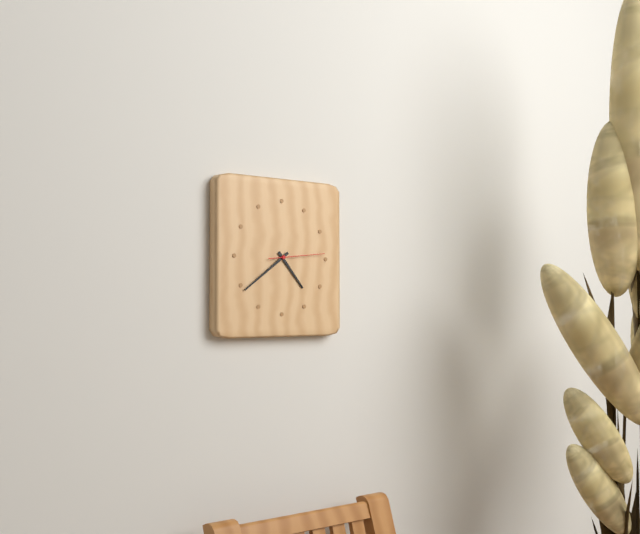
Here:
4 h 39 min 14 s
